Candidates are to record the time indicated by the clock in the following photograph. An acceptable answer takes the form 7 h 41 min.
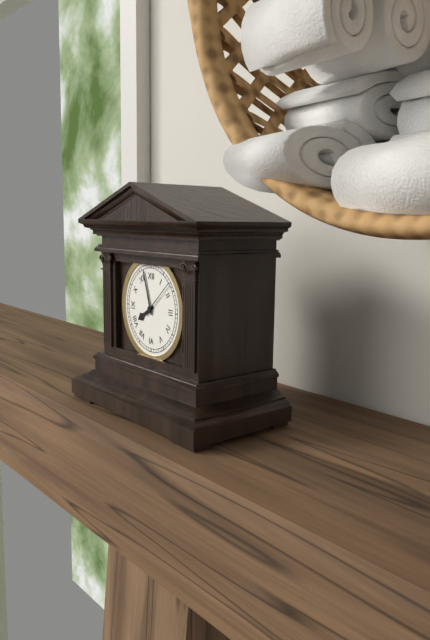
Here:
7 h 57 min
